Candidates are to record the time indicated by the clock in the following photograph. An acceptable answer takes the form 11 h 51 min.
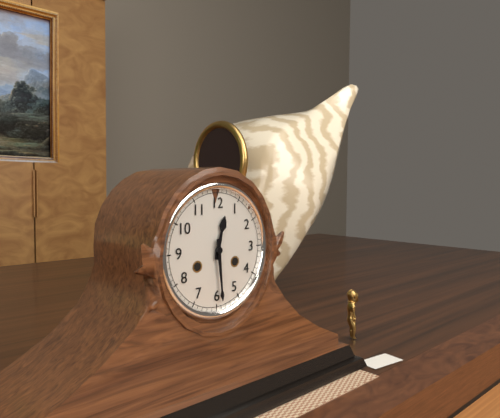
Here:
12 h 29 min
